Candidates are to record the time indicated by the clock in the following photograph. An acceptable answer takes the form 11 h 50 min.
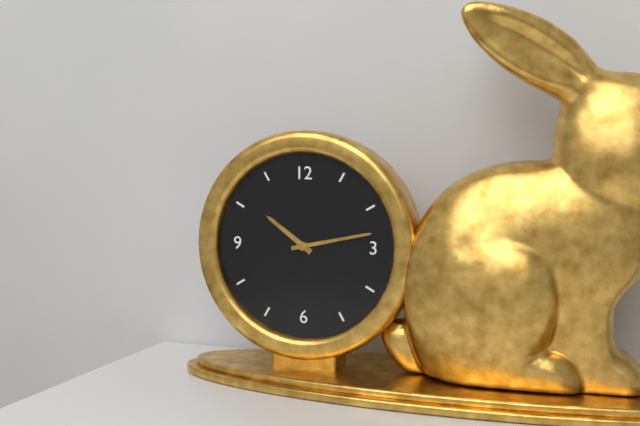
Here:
10 h 13 min
